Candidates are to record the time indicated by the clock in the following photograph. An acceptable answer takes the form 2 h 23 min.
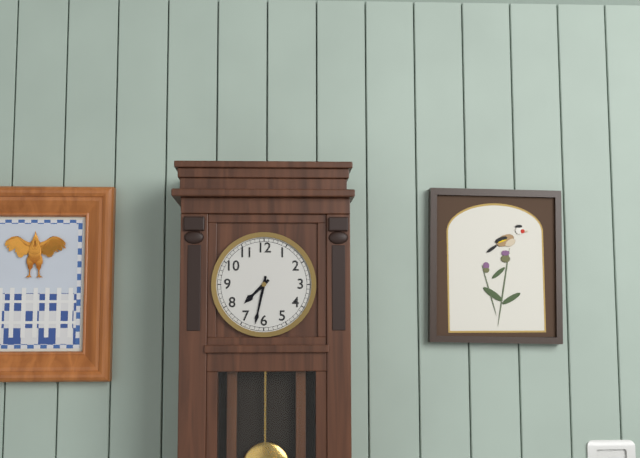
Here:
7 h 32 min
